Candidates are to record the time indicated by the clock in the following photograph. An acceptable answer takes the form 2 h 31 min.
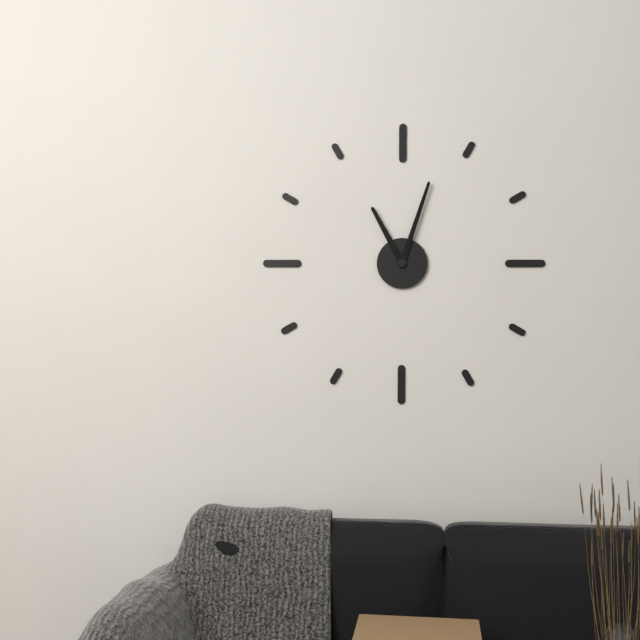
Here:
11 h 03 min
